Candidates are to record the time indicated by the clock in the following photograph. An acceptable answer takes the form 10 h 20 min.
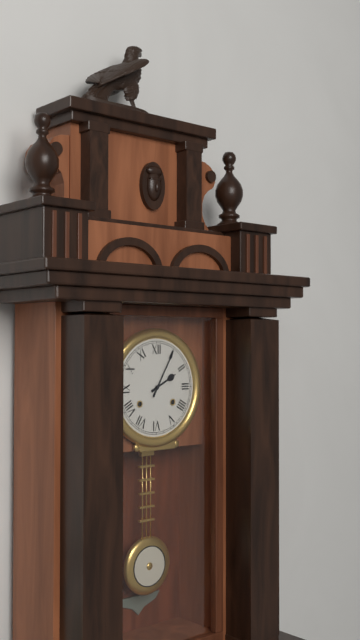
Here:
2 h 05 min
